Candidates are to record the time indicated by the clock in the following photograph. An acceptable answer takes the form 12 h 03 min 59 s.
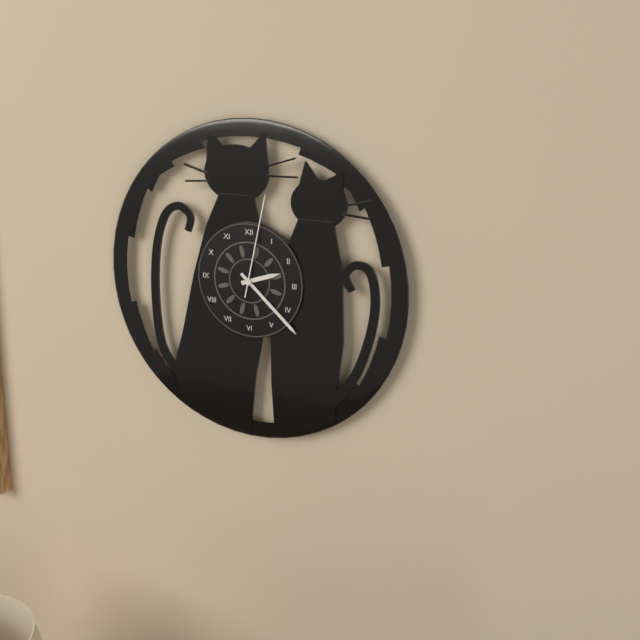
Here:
2 h 22 min 02 s
